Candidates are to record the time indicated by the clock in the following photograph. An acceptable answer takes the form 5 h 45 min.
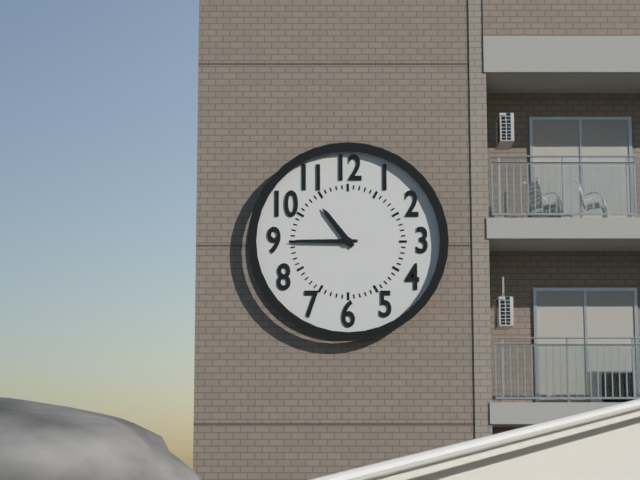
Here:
10 h 45 min
